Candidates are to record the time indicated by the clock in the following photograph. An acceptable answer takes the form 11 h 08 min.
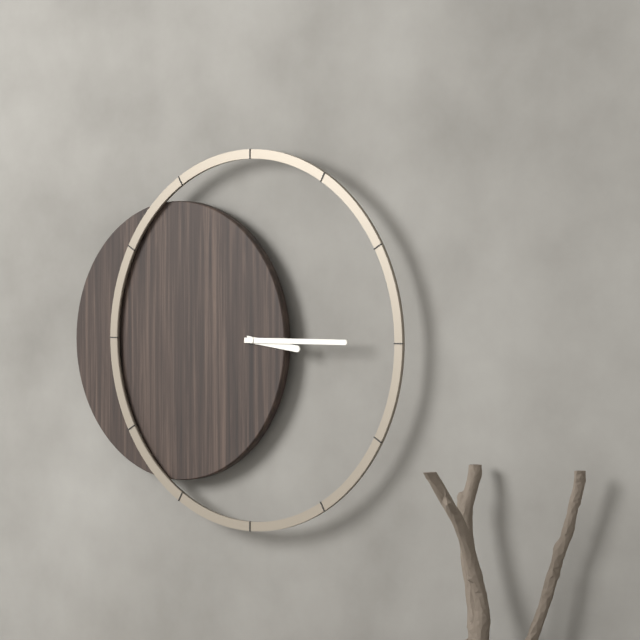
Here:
3 h 15 min
